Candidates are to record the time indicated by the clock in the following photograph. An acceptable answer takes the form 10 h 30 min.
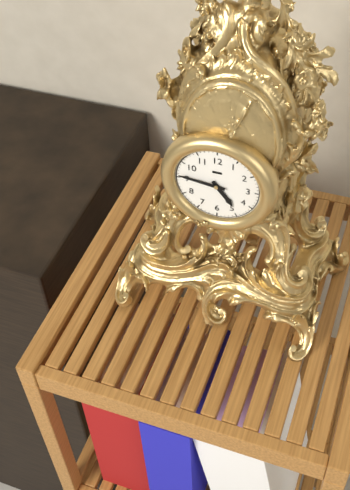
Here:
4 h 46 min
